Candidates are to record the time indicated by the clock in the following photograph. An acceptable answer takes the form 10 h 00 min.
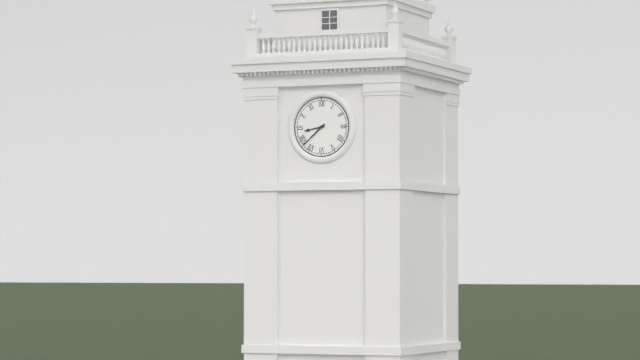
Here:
8 h 38 min
